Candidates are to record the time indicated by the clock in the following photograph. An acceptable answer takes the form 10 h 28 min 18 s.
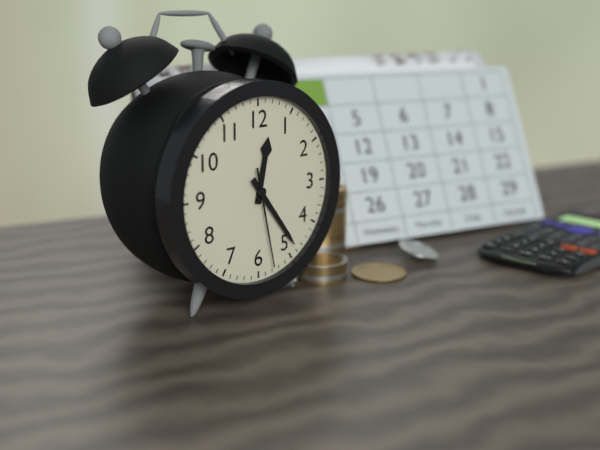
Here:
12 h 24 min 28 s
